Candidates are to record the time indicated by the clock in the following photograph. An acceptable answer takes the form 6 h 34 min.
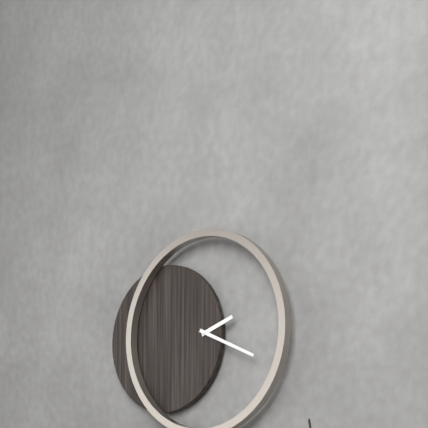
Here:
2 h 19 min
